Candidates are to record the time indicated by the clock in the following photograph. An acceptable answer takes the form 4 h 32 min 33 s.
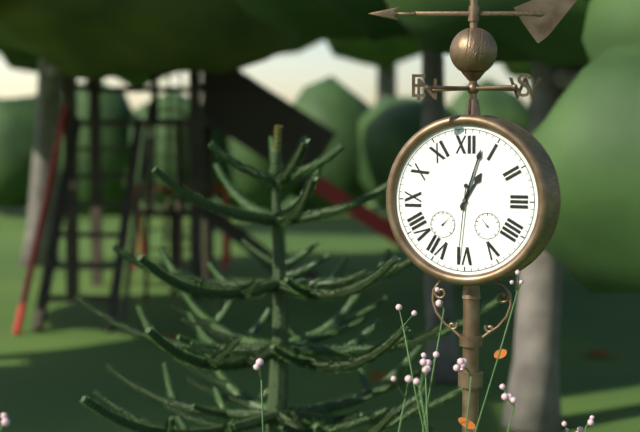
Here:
1 h 03 min 31 s
